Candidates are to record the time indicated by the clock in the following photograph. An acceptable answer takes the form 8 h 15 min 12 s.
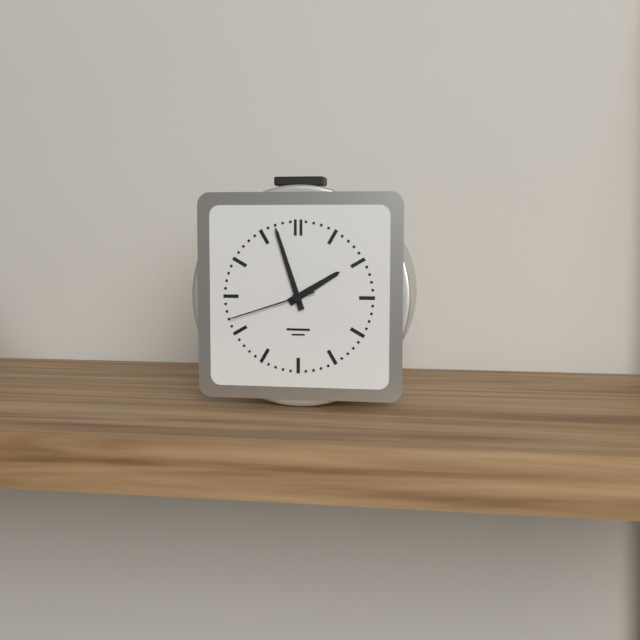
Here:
1 h 57 min 42 s
